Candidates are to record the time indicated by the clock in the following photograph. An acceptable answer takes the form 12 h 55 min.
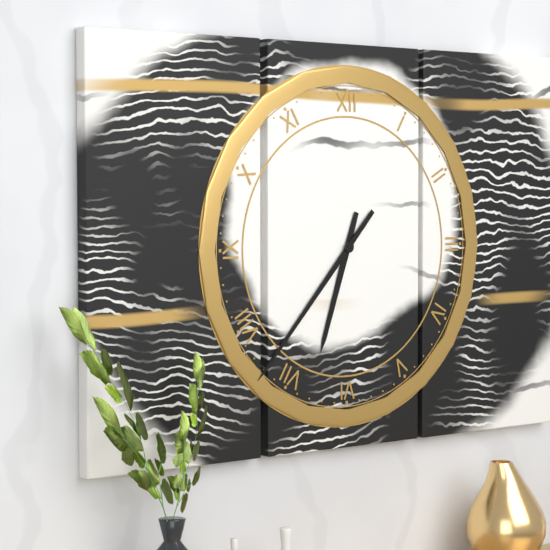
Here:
6 h 37 min
